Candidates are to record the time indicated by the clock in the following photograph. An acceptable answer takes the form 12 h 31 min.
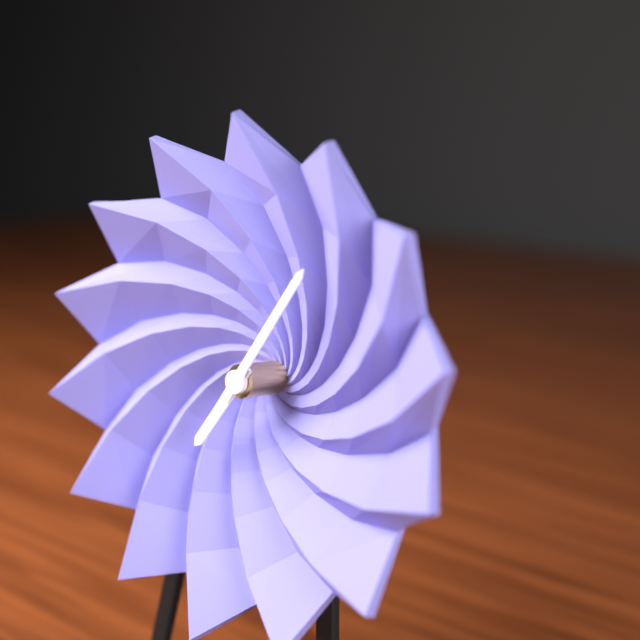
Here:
7 h 05 min
